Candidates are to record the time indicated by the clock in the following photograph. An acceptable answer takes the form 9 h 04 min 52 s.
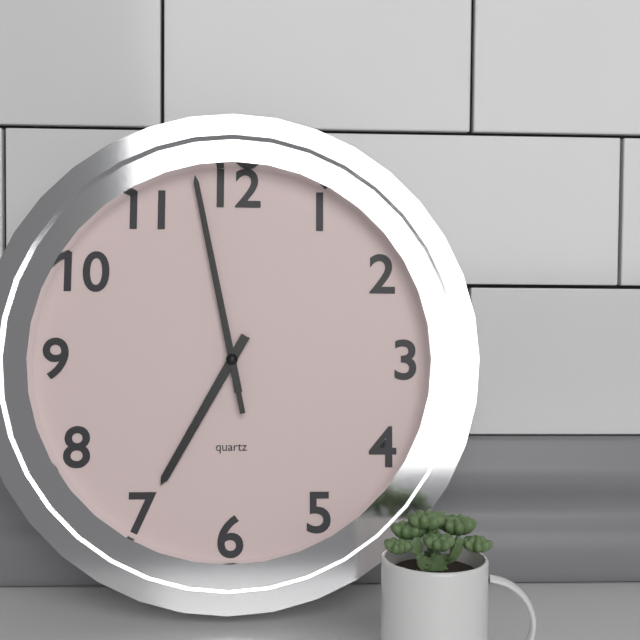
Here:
6 h 58 min 58 s
